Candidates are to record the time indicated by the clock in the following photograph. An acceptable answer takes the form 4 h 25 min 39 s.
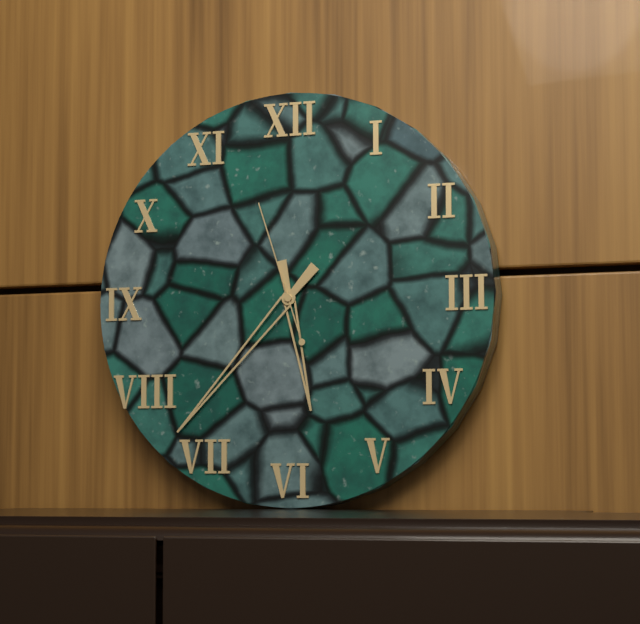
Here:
5 h 37 min 57 s
